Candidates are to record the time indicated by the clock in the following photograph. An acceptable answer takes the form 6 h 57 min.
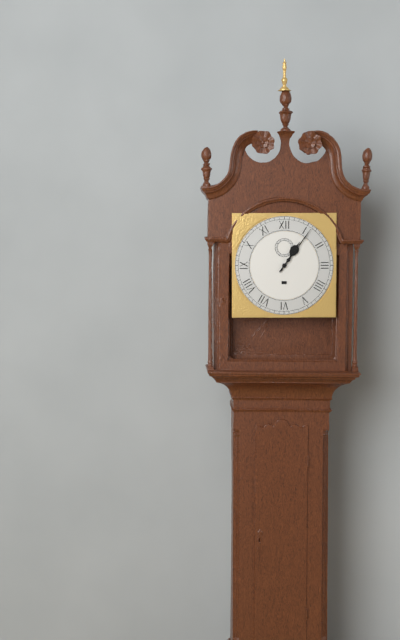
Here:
1 h 06 min
